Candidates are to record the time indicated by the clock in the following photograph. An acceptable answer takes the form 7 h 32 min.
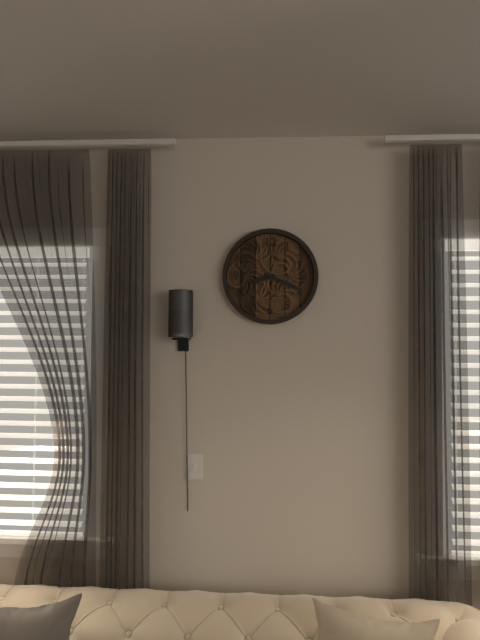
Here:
8 h 19 min
